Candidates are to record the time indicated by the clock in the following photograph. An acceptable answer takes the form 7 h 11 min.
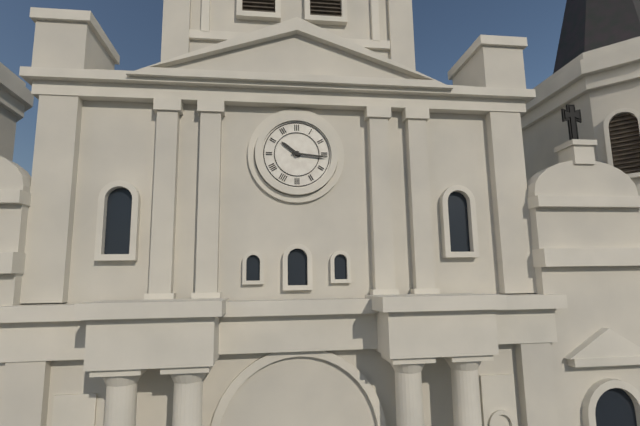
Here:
10 h 16 min
